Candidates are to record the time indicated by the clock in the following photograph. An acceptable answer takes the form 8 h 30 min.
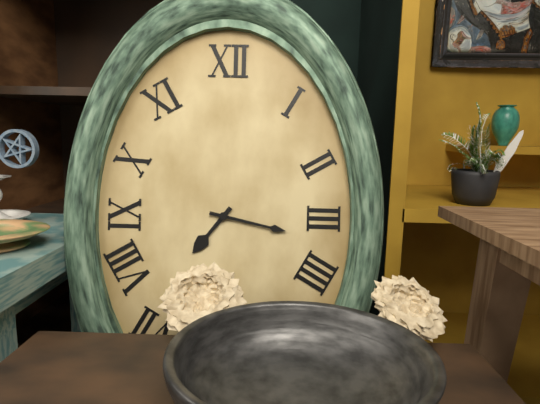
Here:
7 h 17 min
